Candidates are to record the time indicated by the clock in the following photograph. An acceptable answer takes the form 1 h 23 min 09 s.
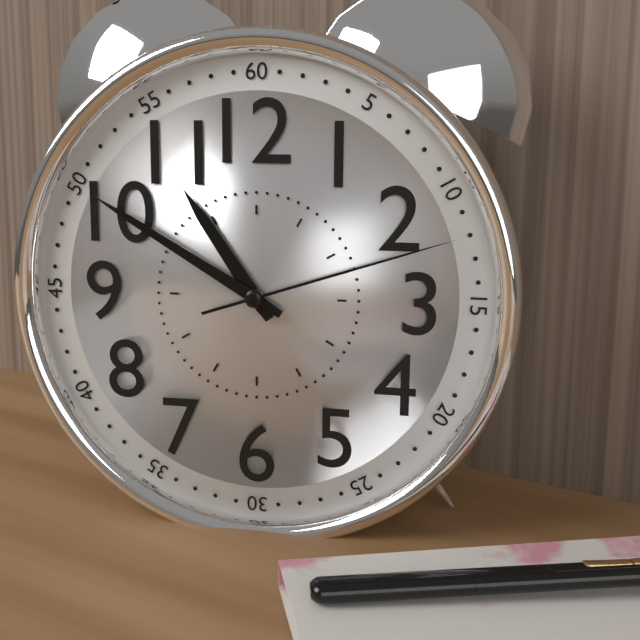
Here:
10 h 50 min 12 s
